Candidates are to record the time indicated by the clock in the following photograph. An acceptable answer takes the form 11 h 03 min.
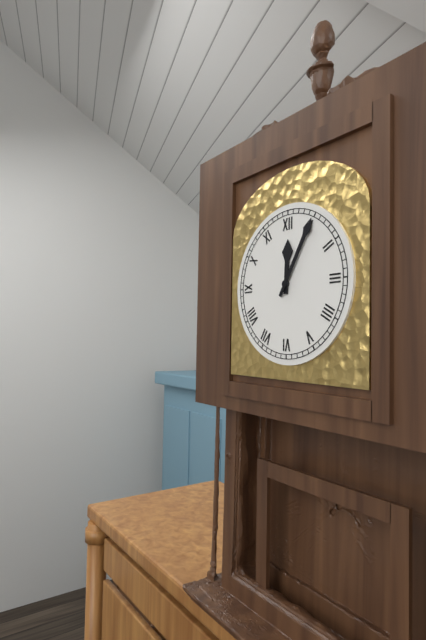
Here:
12 h 05 min
